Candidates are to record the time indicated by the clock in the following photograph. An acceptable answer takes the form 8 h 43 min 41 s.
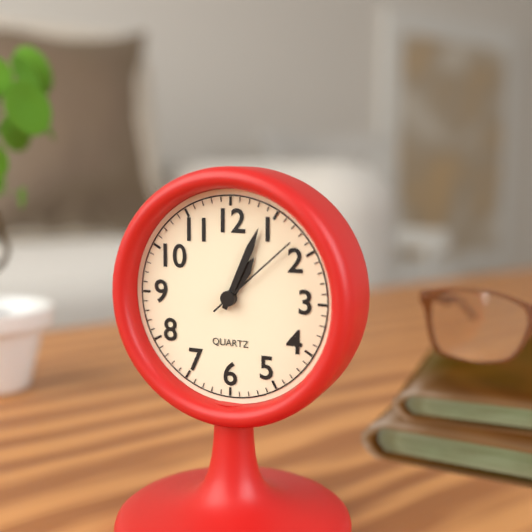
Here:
1 h 04 min 08 s
